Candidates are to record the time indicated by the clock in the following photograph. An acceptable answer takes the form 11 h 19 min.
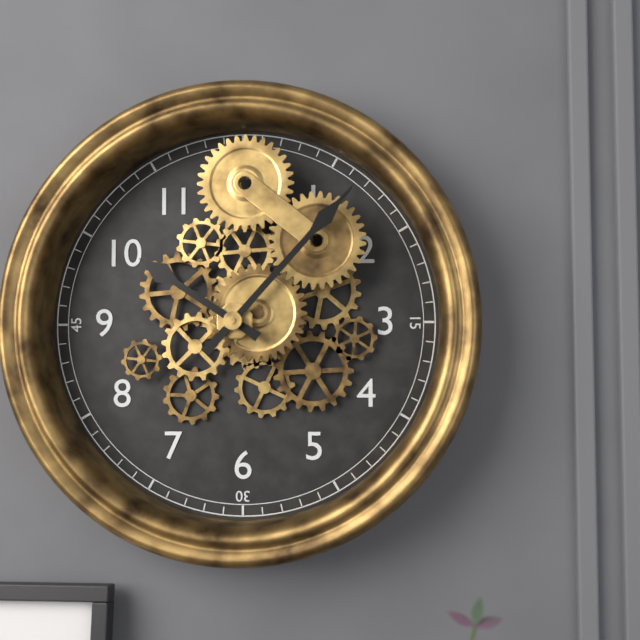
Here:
10 h 07 min
